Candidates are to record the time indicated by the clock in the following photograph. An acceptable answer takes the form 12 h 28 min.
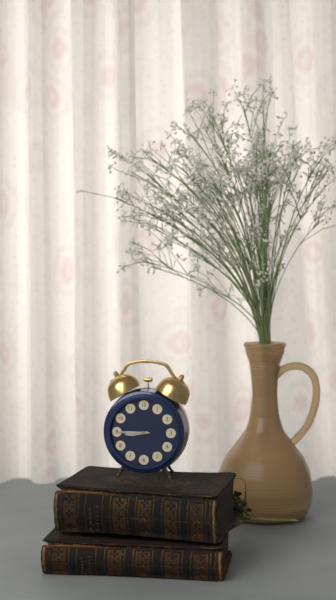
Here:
8 h 45 min
